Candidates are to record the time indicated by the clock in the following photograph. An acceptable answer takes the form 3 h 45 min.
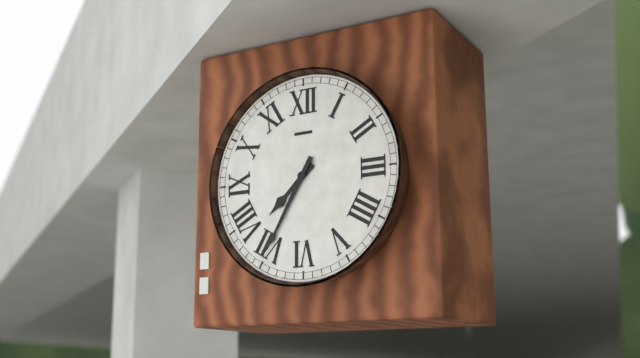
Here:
7 h 35 min
